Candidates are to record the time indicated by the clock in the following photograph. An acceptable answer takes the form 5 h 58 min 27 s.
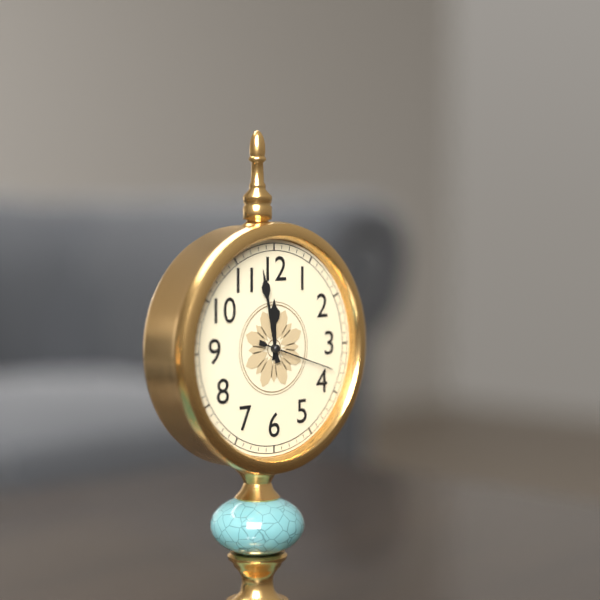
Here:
11 h 58 min 18 s
